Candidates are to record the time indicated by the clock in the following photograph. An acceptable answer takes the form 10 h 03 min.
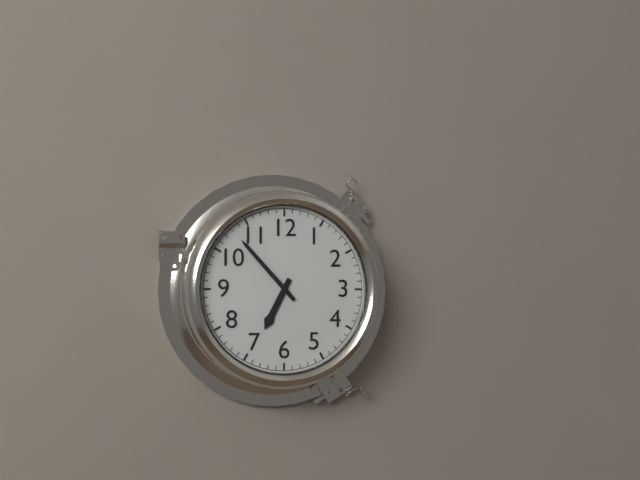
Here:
6 h 53 min
